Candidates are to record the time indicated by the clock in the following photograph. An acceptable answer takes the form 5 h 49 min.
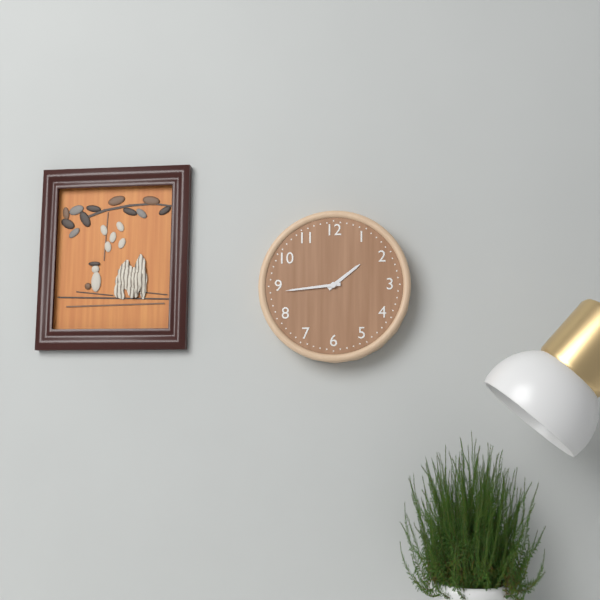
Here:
1 h 44 min
